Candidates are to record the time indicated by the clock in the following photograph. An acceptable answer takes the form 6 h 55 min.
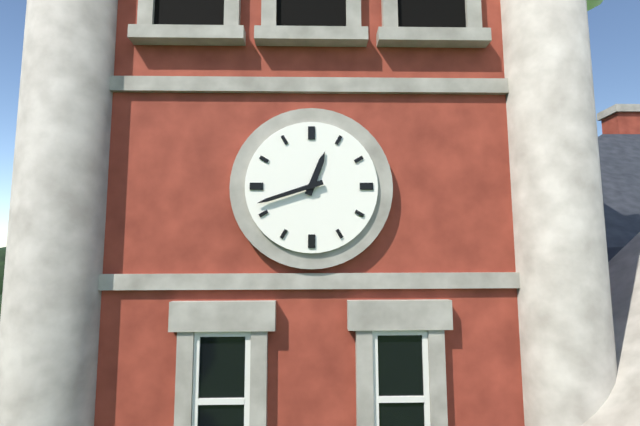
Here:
12 h 42 min
